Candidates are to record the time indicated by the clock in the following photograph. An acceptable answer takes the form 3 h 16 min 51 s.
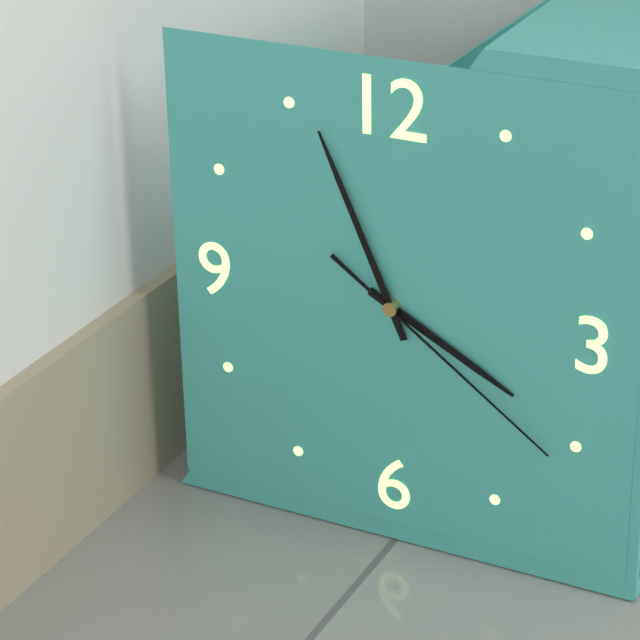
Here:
3 h 56 min 21 s
